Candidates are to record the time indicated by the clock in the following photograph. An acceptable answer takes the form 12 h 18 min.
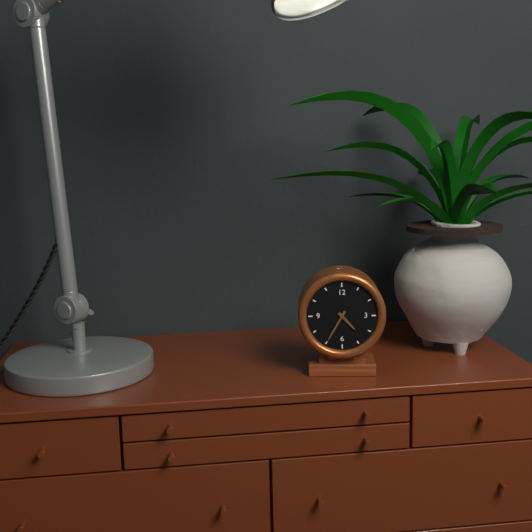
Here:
4 h 35 min
